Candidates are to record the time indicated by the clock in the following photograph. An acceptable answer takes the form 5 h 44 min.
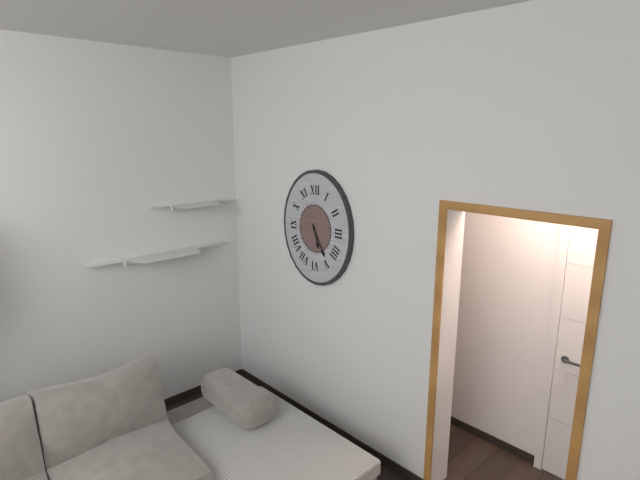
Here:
5 h 25 min
